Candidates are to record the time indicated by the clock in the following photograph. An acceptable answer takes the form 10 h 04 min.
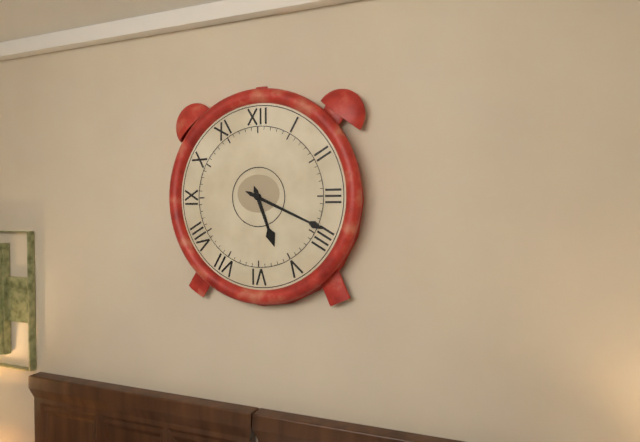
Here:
5 h 19 min
